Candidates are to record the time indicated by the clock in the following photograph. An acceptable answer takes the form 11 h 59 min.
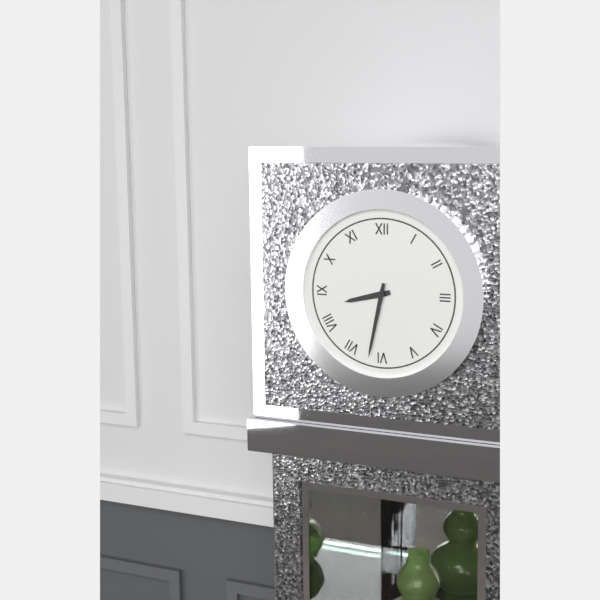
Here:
8 h 32 min
